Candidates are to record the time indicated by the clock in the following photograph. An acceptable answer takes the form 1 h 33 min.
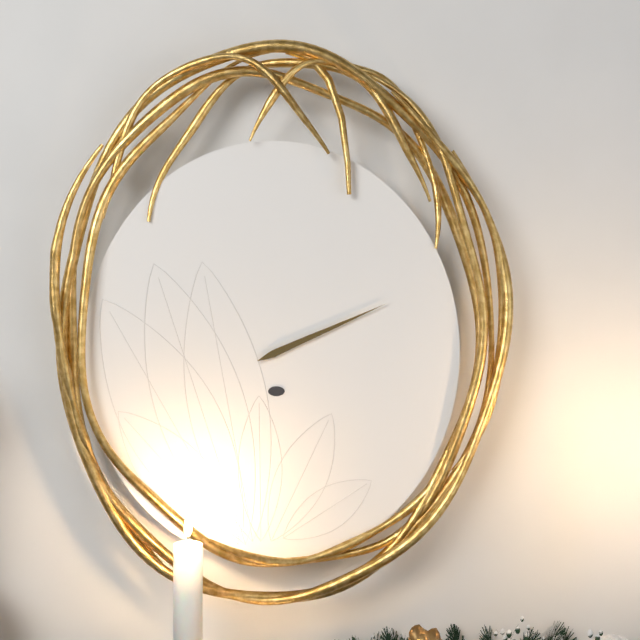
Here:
2 h 11 min
